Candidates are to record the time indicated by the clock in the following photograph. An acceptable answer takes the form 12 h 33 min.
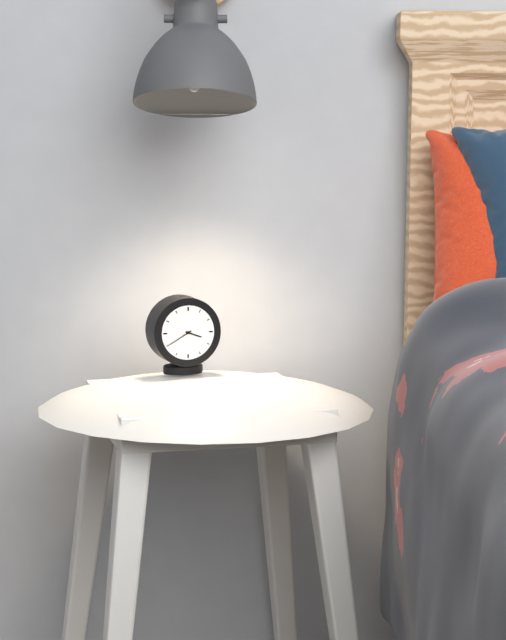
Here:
3 h 40 min
